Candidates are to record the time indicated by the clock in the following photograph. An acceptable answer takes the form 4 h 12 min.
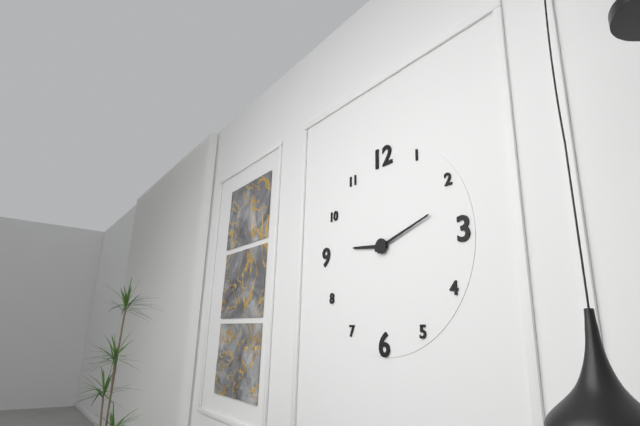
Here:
9 h 12 min
